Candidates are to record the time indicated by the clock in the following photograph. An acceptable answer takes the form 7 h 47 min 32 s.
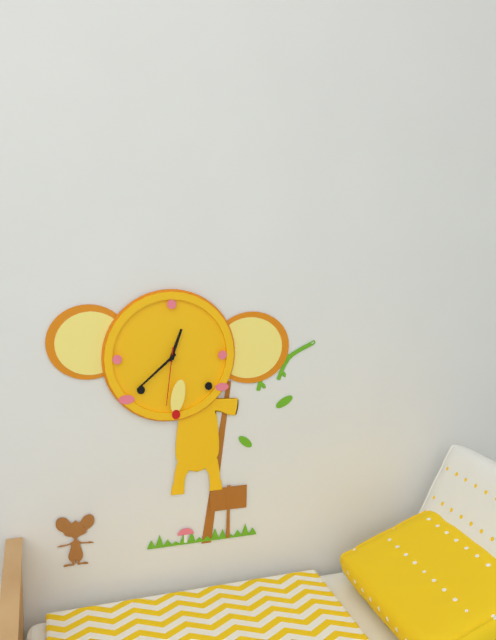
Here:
12 h 38 min 31 s
